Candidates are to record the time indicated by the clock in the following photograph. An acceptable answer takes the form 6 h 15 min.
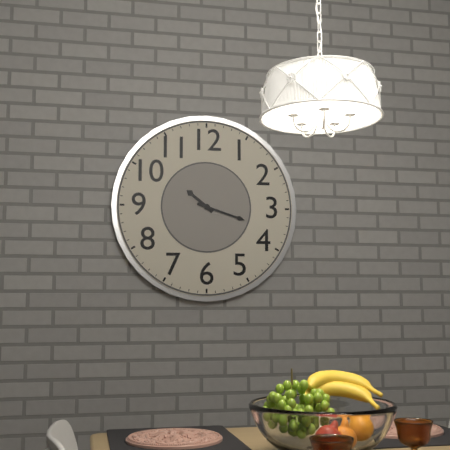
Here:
10 h 18 min
